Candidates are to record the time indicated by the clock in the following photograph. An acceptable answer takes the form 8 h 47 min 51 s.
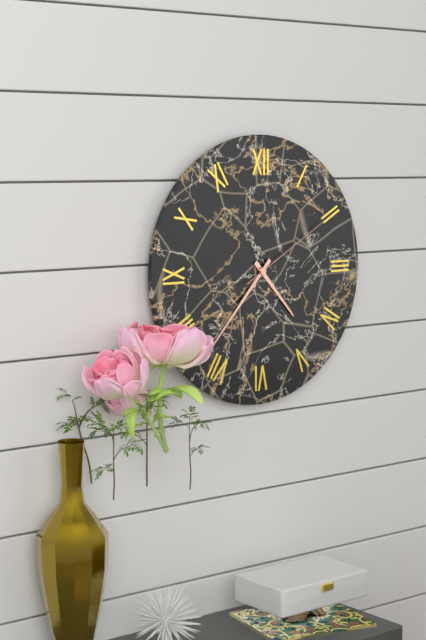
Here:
4 h 37 min 10 s
